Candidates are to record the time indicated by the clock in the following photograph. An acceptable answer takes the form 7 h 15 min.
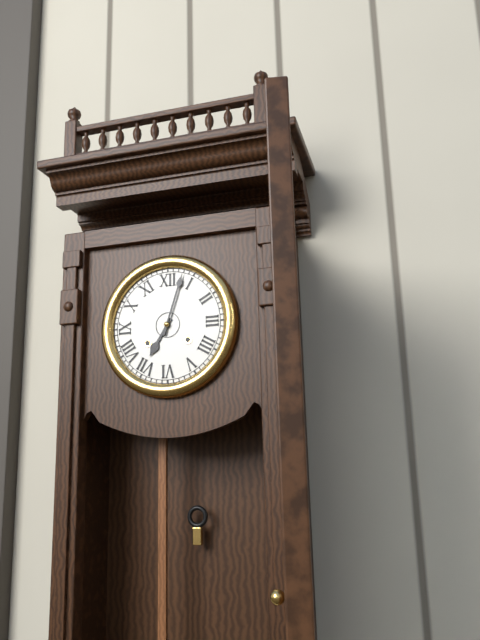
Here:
7 h 03 min
